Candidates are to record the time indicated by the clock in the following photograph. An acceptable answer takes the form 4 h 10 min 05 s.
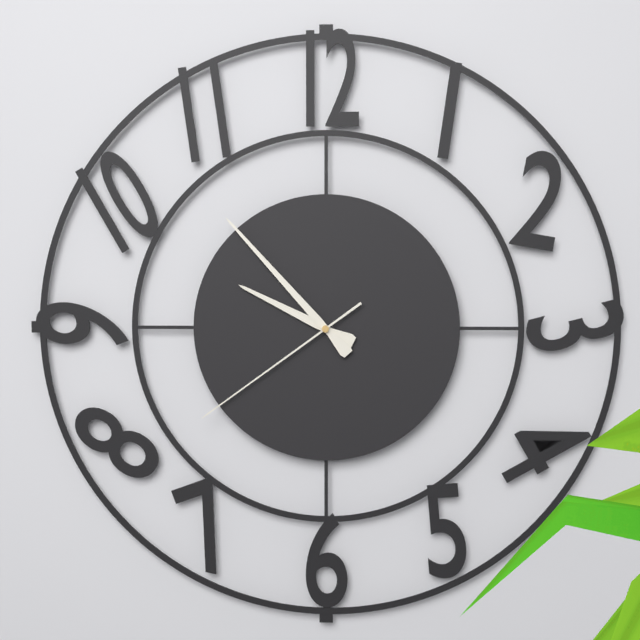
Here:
9 h 53 min 39 s
